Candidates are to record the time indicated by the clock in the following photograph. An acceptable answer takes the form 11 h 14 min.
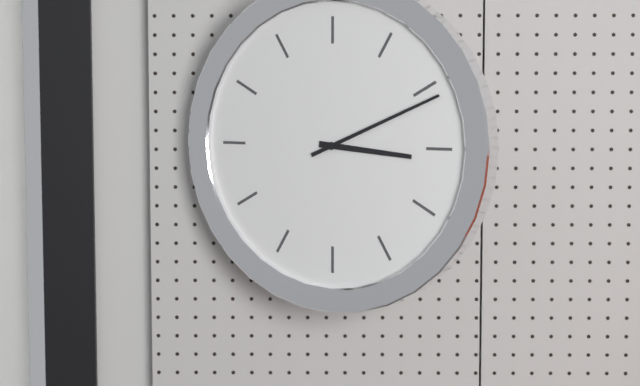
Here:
3 h 11 min
